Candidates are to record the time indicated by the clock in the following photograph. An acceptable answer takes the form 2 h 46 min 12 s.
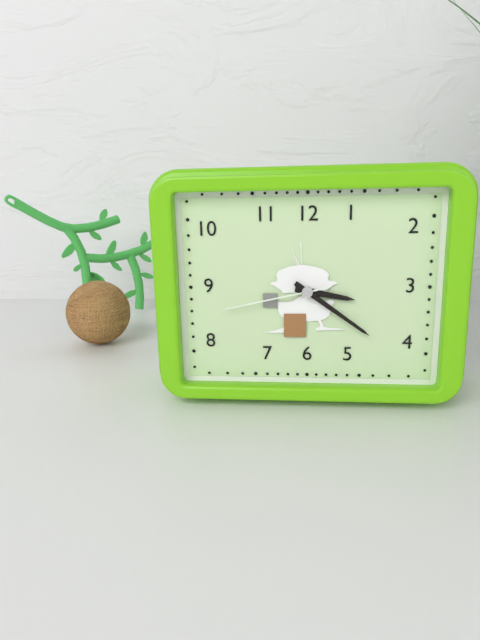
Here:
3 h 21 min 43 s
